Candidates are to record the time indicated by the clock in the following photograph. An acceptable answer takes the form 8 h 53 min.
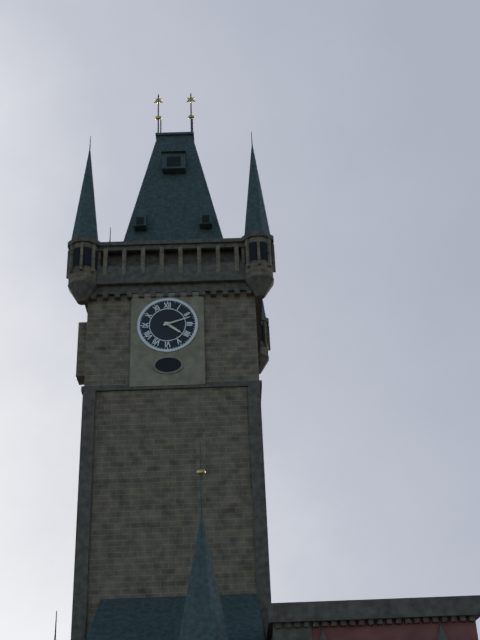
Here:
4 h 12 min
